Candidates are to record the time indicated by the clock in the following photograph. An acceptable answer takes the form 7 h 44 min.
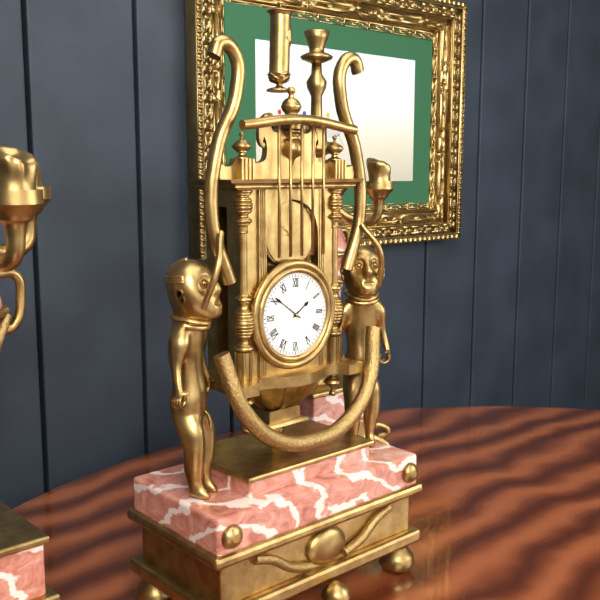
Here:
1 h 51 min
